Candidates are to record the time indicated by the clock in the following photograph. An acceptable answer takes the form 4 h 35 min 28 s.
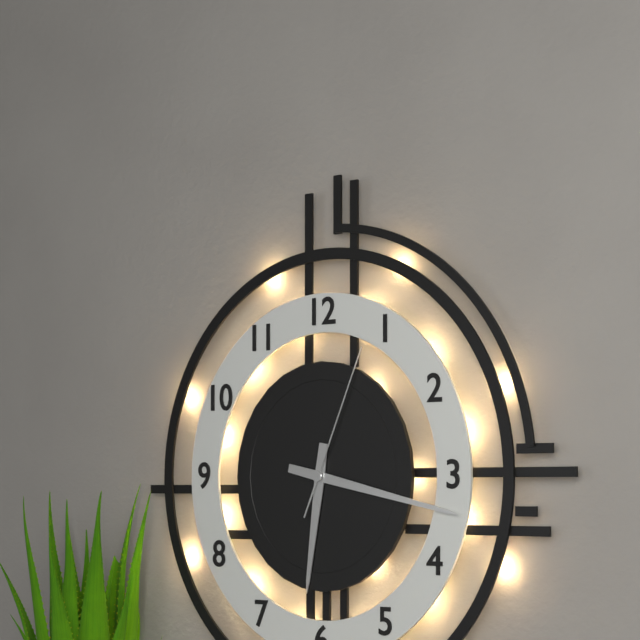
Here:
6 h 17 min 04 s
